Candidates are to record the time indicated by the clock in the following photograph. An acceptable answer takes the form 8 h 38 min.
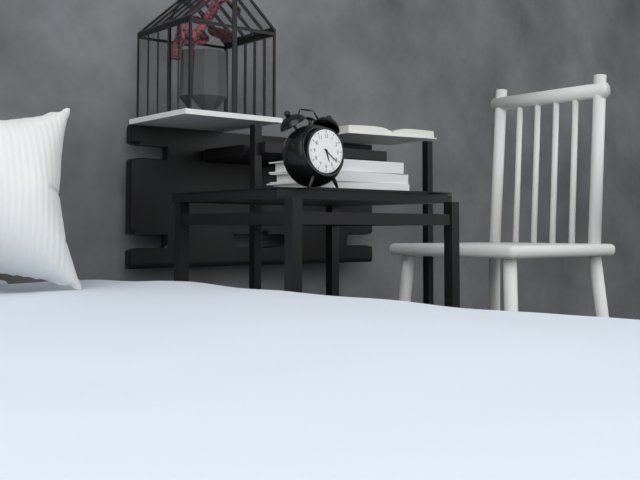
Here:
5 h 21 min
